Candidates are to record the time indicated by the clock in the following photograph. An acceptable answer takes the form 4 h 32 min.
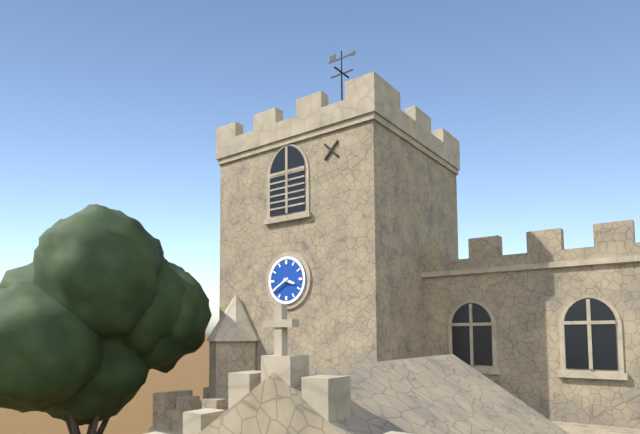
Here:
3 h 40 min
